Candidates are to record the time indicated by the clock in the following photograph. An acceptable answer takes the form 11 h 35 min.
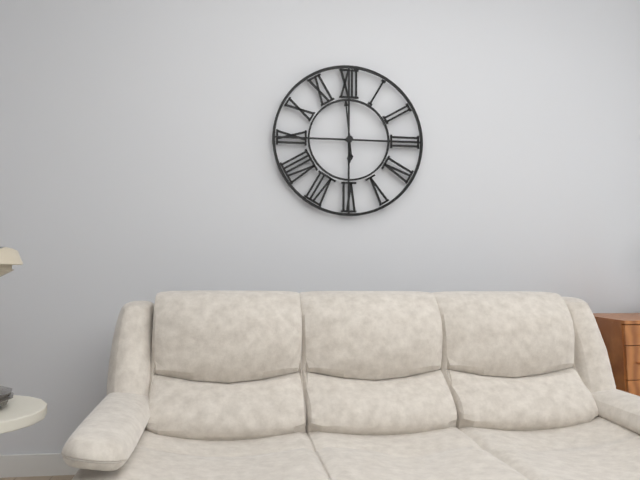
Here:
5 h 59 min
